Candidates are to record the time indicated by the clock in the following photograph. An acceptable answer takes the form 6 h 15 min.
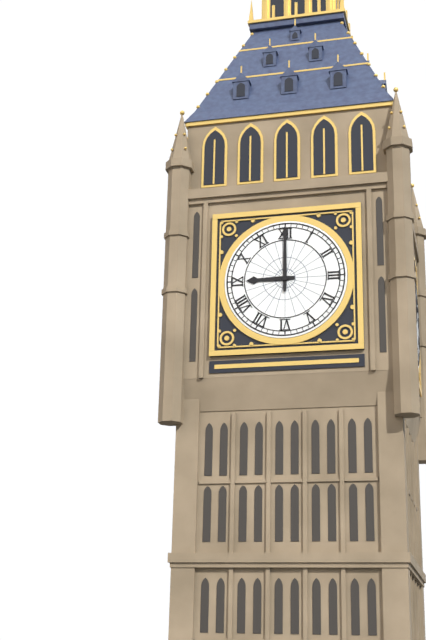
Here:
9 h 00 min
